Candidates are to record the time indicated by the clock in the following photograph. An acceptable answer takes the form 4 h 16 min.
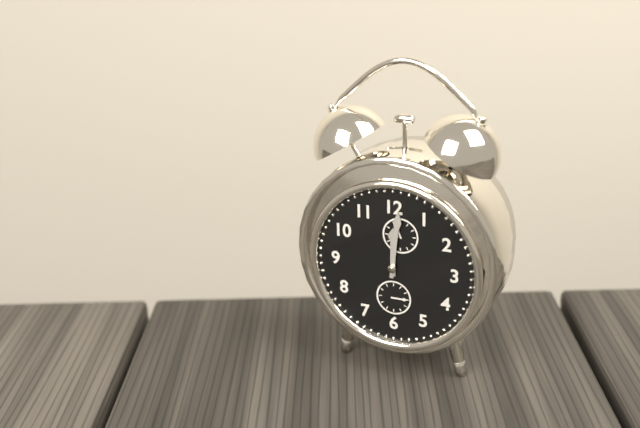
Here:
12 h 01 min
